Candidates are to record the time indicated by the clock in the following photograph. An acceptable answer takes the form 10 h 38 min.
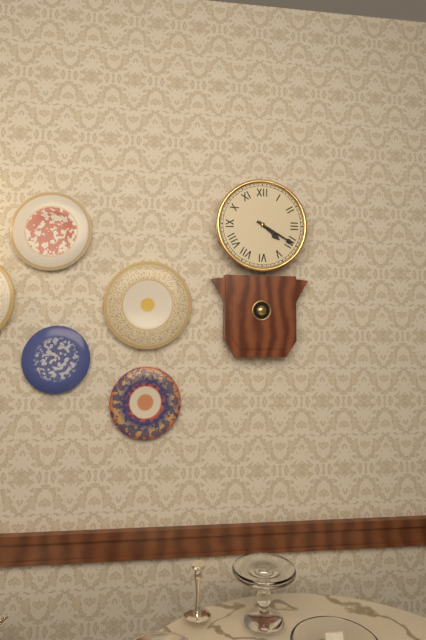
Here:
4 h 20 min
